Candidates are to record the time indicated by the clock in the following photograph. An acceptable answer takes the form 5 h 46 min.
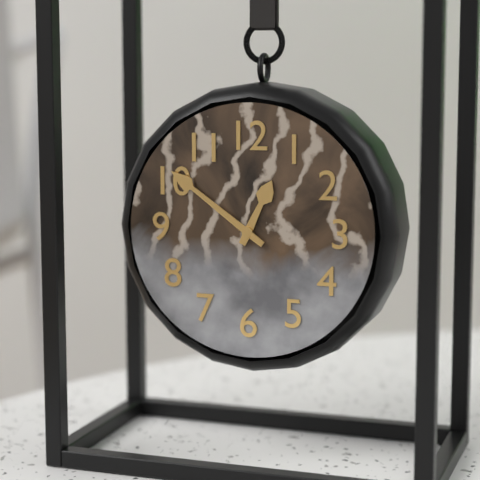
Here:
12 h 51 min
